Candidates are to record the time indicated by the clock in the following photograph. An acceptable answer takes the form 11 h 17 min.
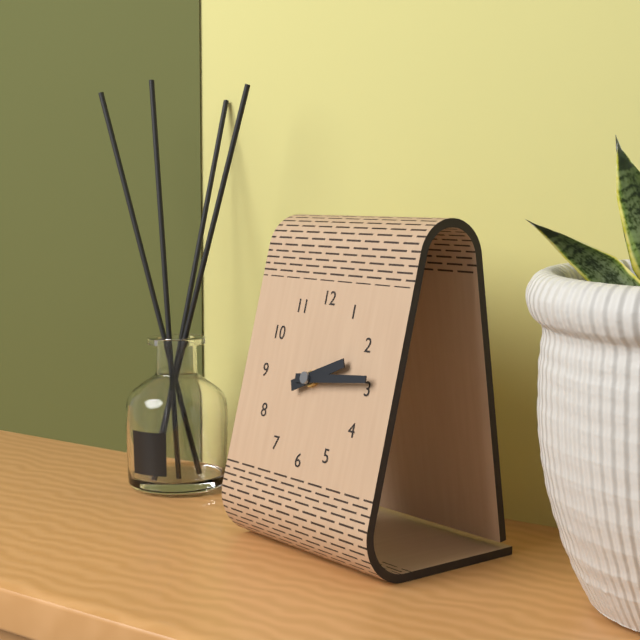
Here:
2 h 14 min
